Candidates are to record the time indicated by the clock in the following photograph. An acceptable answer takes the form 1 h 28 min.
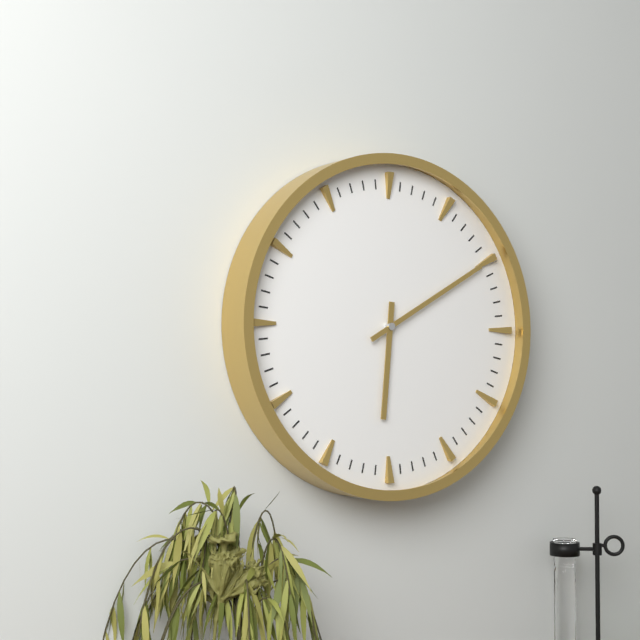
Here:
6 h 10 min
